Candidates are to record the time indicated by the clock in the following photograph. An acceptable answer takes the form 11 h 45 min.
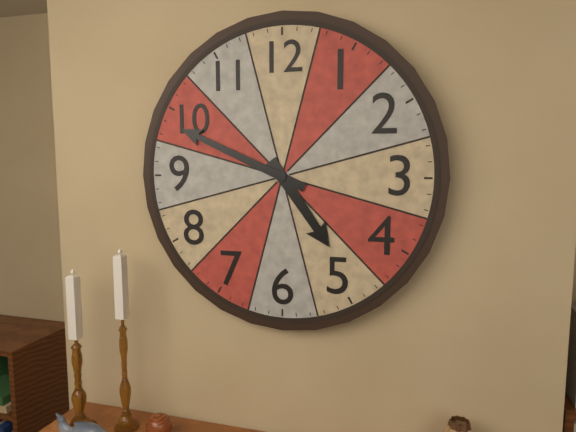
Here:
4 h 49 min
